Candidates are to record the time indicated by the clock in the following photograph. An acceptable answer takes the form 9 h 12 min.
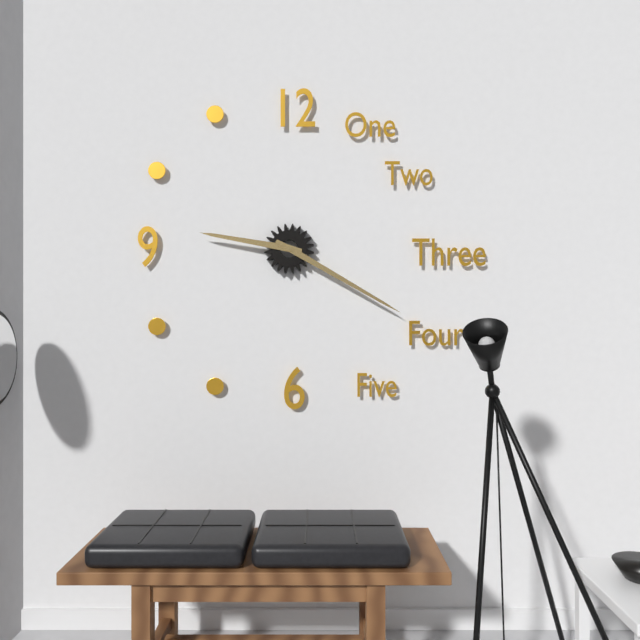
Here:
9 h 20 min
